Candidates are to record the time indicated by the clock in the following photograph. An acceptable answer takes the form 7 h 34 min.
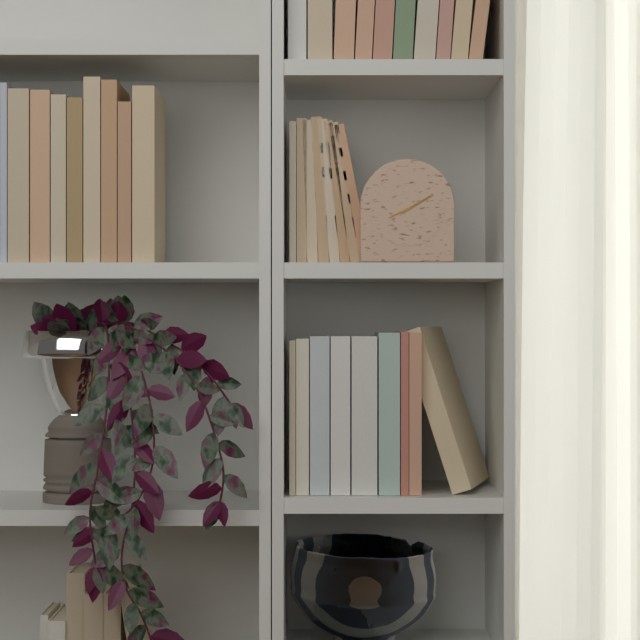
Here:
8 h 10 min
